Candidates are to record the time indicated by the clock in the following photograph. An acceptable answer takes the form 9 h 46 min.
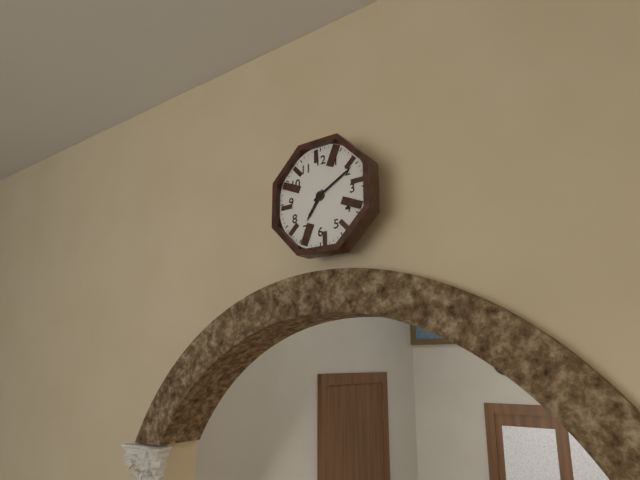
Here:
7 h 10 min
